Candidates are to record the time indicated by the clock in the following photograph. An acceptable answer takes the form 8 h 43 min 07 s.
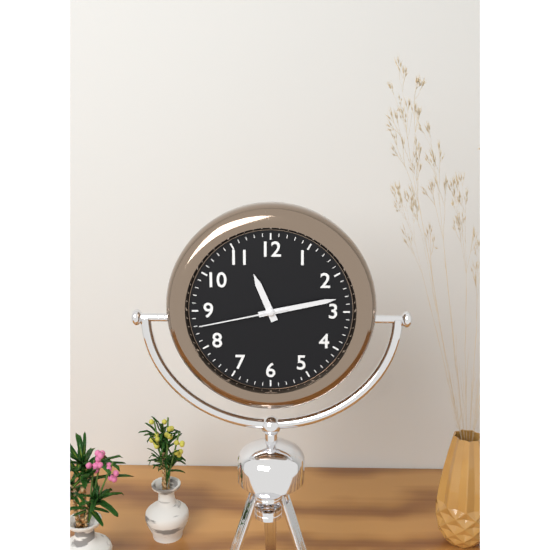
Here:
11 h 13 min 43 s
